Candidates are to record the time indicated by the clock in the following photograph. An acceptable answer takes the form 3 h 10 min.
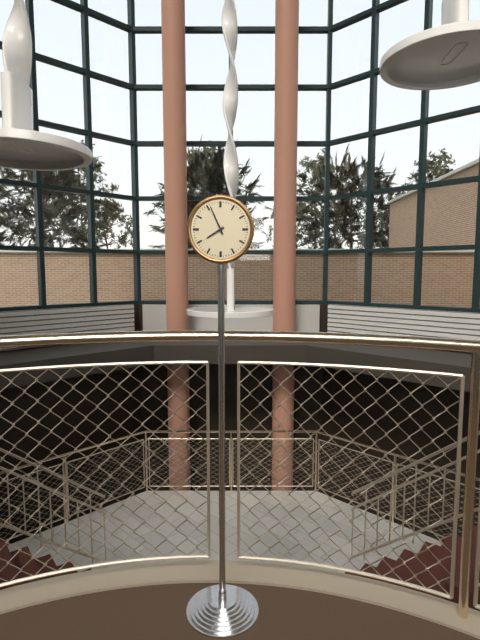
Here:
7 h 56 min
